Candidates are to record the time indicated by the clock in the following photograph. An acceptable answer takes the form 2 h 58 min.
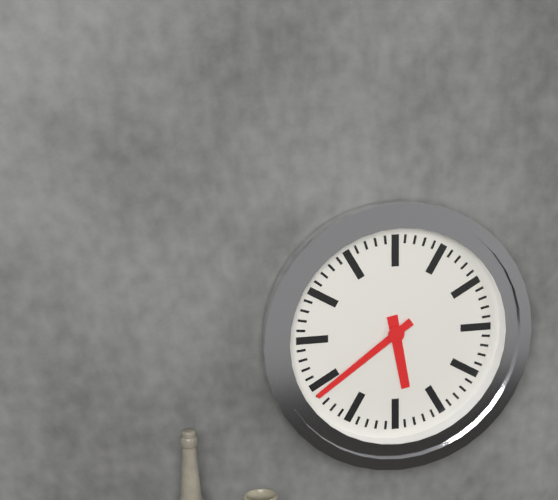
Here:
5 h 39 min
